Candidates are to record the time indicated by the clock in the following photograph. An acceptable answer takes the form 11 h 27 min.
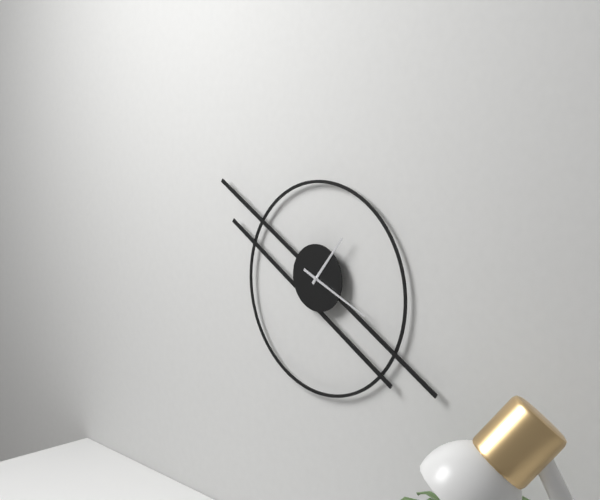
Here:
1 h 19 min
